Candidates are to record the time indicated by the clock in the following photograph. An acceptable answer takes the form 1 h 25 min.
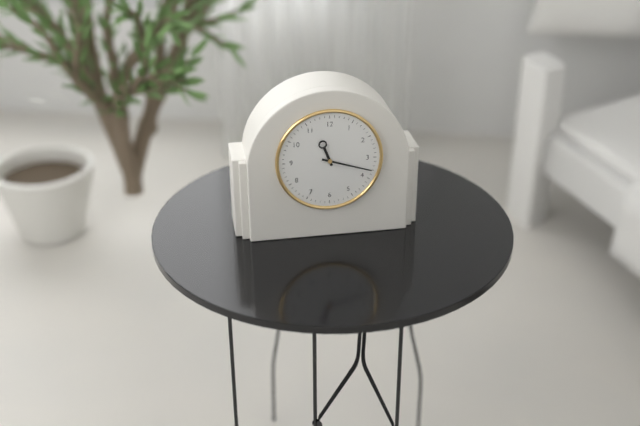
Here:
11 h 18 min
